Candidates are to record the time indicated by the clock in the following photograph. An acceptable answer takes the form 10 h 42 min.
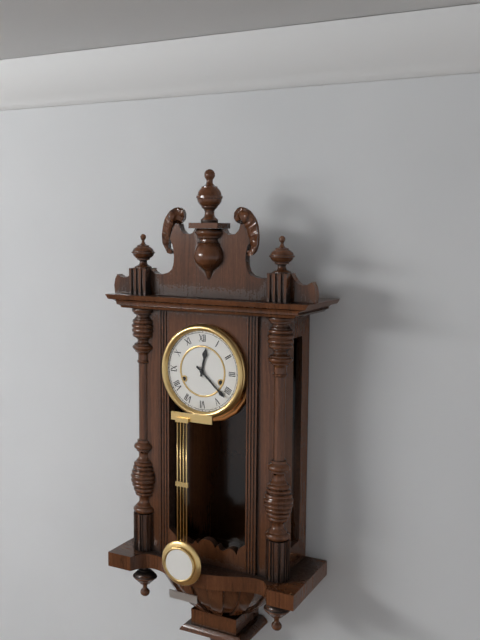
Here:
12 h 22 min
